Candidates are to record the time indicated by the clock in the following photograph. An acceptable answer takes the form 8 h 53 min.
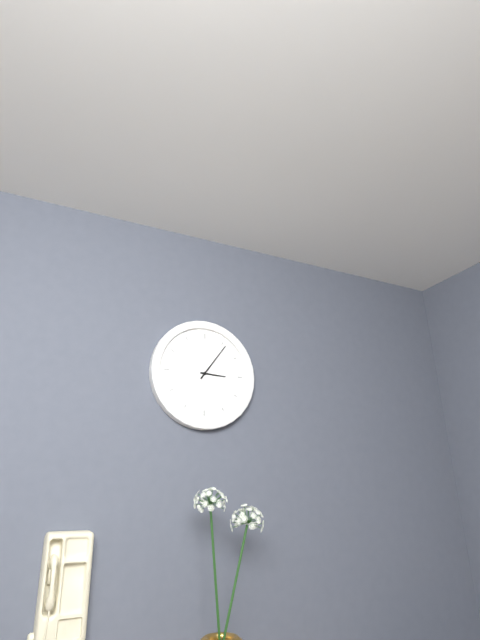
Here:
3 h 06 min
